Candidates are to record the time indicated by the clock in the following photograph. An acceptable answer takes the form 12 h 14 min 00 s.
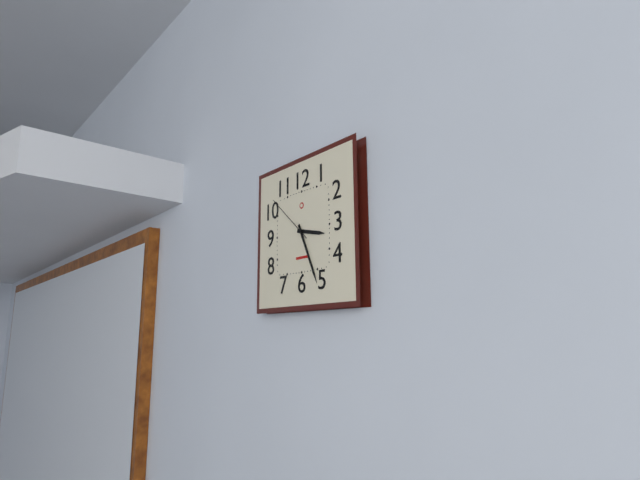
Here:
3 h 26 min 52 s
